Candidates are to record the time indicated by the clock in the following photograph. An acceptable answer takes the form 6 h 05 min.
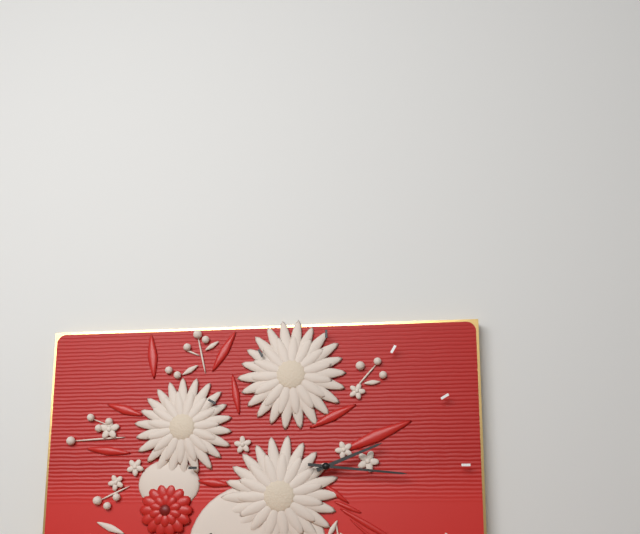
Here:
2 h 16 min
